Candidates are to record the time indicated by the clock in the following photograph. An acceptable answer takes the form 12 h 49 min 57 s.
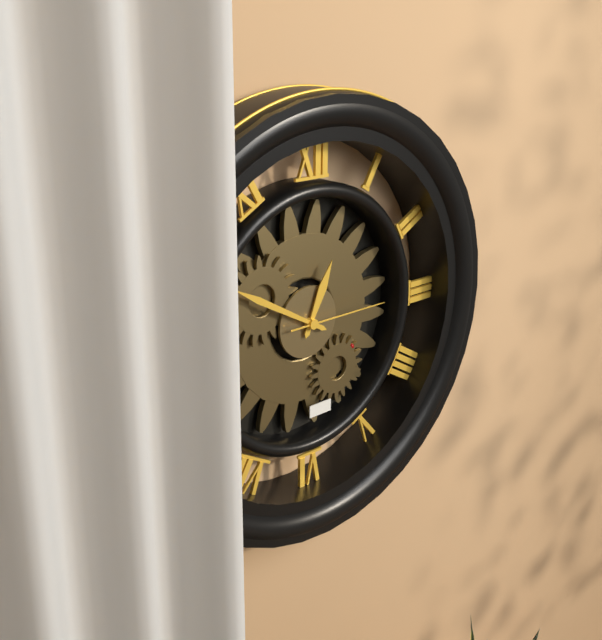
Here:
12 h 50 min 15 s
